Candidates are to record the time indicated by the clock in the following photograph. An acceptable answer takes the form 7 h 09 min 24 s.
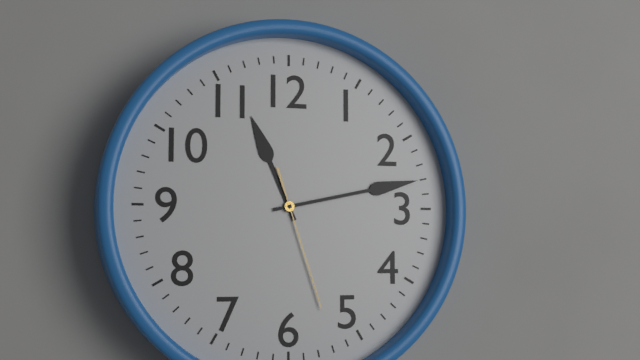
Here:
11 h 13 min 27 s
